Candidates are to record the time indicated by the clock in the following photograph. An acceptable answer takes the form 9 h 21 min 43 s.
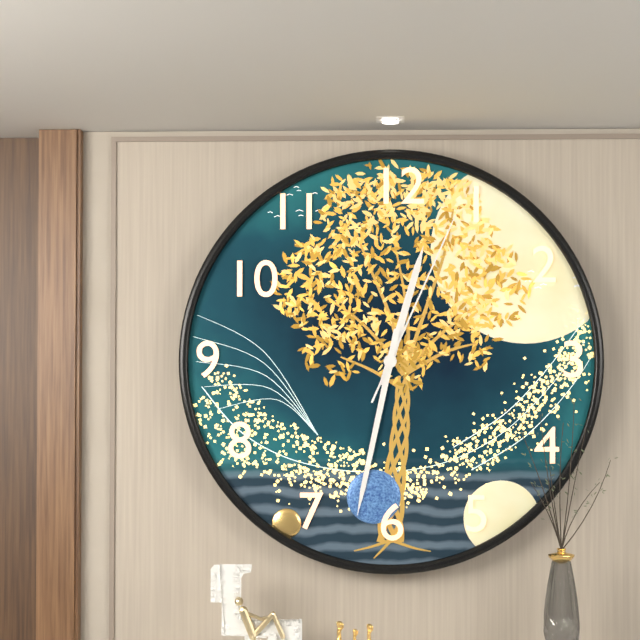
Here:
12 h 32 min 04 s
